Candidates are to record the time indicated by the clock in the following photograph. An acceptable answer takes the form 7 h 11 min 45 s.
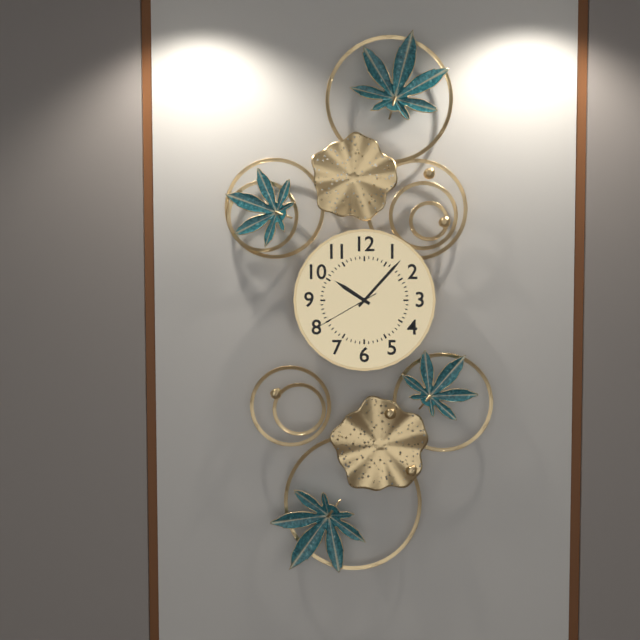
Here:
10 h 07 min 40 s
